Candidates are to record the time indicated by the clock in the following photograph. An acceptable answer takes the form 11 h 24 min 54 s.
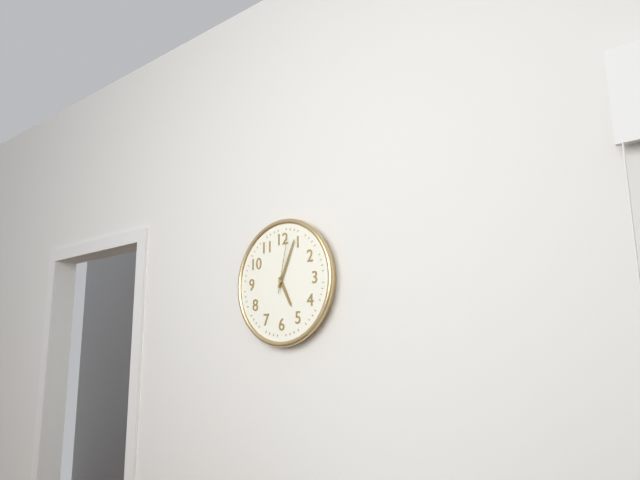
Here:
5 h 04 min 02 s
